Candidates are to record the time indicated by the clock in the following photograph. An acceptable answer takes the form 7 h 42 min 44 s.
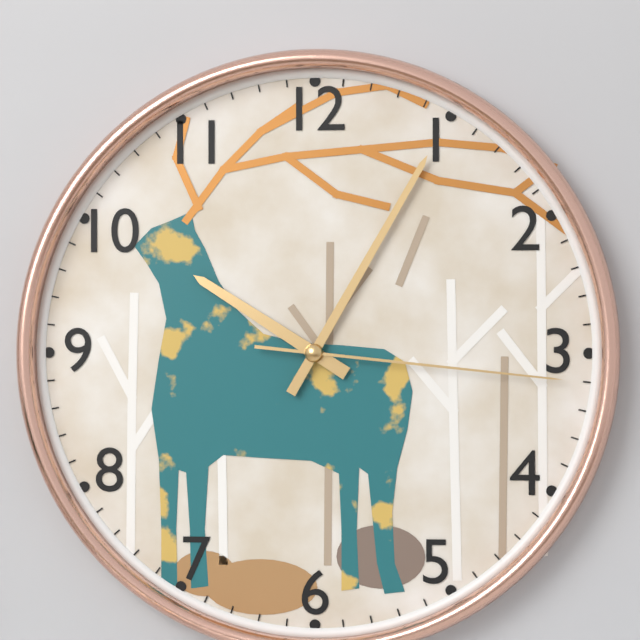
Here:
10 h 05 min 16 s
